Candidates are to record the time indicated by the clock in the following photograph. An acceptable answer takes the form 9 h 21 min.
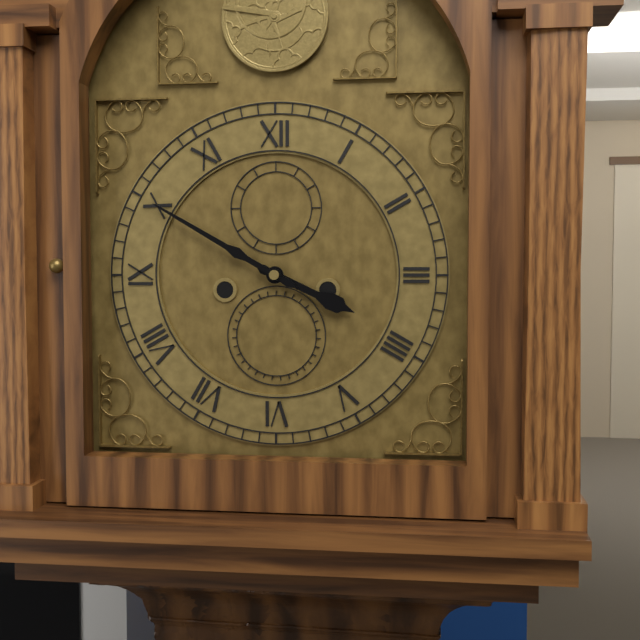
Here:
3 h 50 min
